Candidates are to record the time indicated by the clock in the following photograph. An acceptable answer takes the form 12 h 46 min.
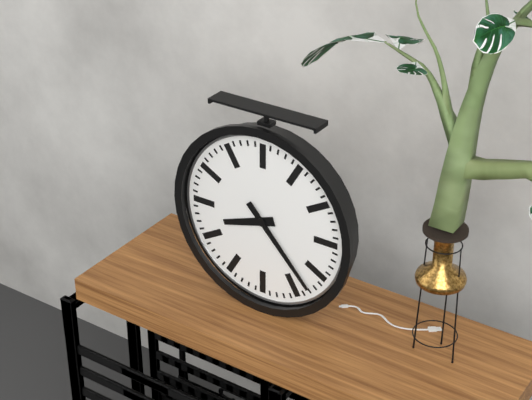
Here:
8 h 23 min
